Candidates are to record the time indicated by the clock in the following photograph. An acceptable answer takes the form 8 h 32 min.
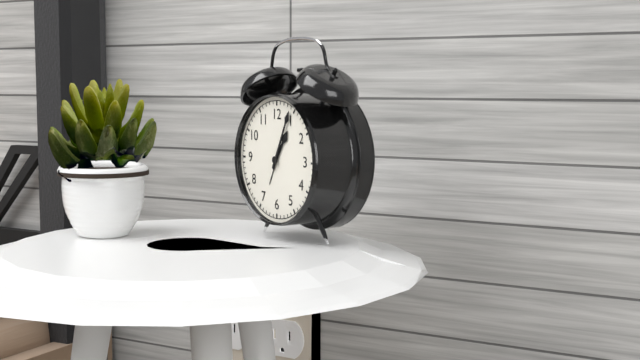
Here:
1 h 04 min
